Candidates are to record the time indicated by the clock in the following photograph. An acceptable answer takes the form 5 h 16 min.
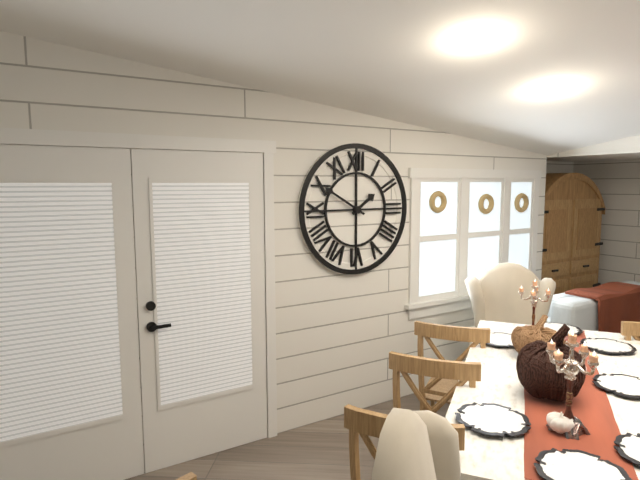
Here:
1 h 50 min
